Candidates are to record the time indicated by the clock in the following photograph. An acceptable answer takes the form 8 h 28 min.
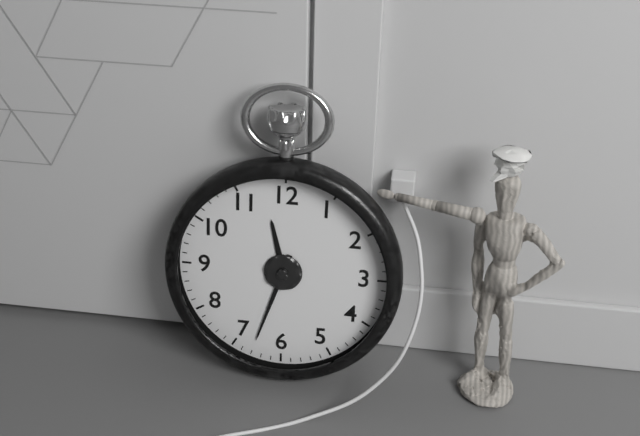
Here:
11 h 33 min
